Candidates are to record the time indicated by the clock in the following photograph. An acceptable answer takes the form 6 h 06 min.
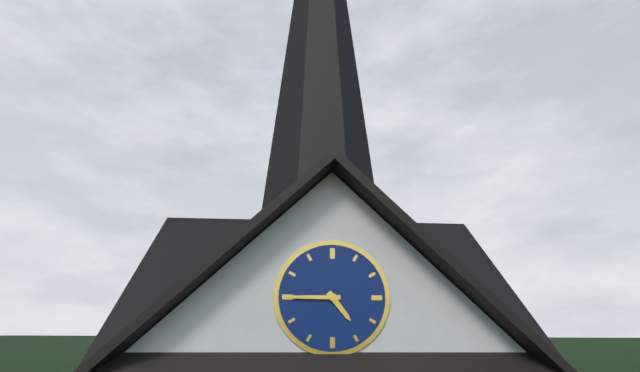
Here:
4 h 45 min
